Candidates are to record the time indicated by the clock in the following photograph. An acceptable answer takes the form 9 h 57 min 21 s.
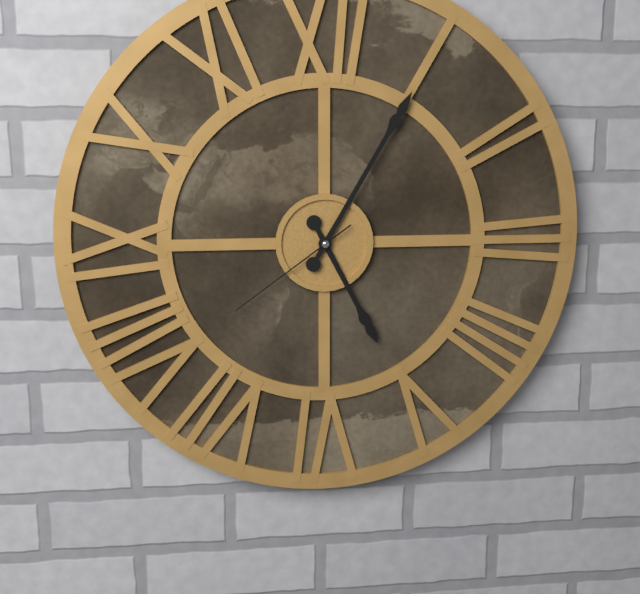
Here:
5 h 05 min 39 s
